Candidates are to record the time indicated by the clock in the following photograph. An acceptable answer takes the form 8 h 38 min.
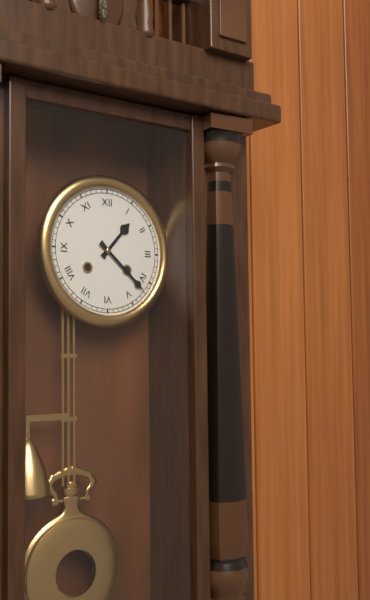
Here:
1 h 22 min
